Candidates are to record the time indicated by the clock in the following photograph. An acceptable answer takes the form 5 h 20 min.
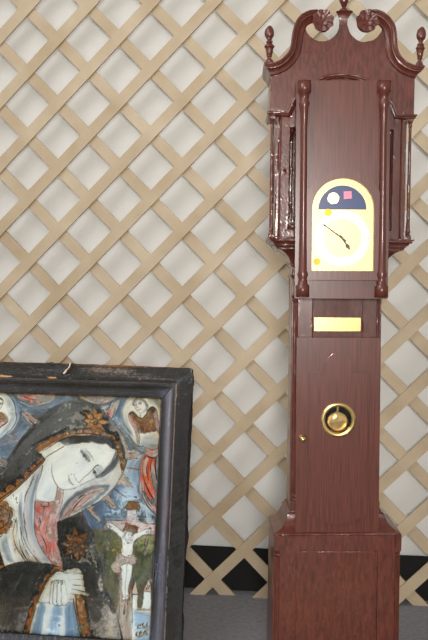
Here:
4 h 51 min
